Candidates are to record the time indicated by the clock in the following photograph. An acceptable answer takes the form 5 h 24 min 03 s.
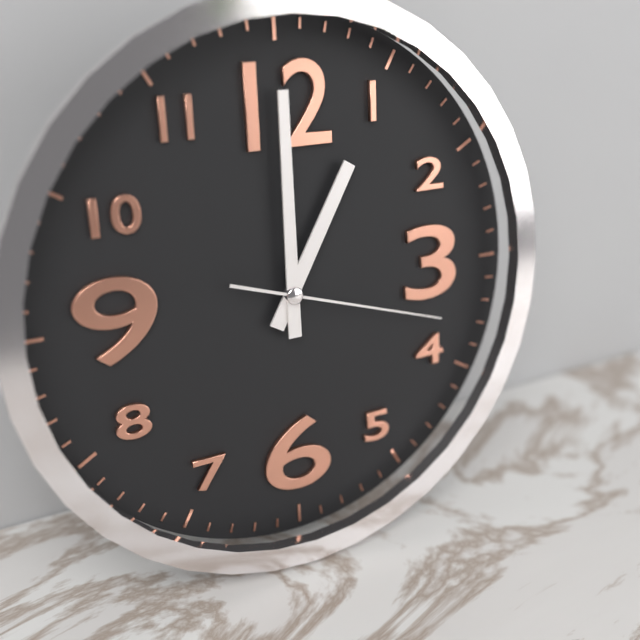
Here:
1 h 00 min 18 s
